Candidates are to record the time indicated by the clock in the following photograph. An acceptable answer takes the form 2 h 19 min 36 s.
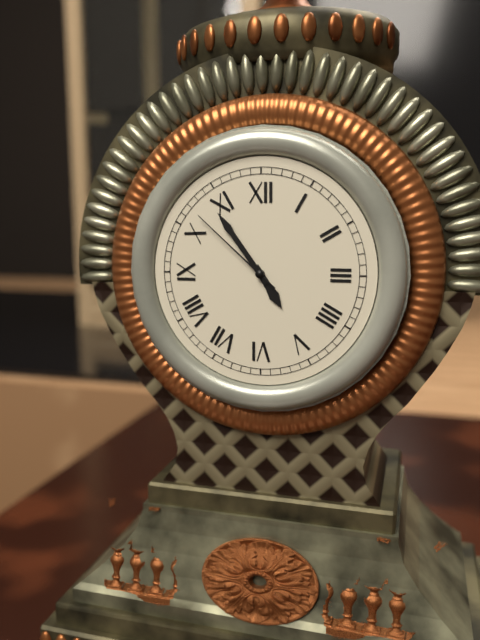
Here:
4 h 54 min 52 s
